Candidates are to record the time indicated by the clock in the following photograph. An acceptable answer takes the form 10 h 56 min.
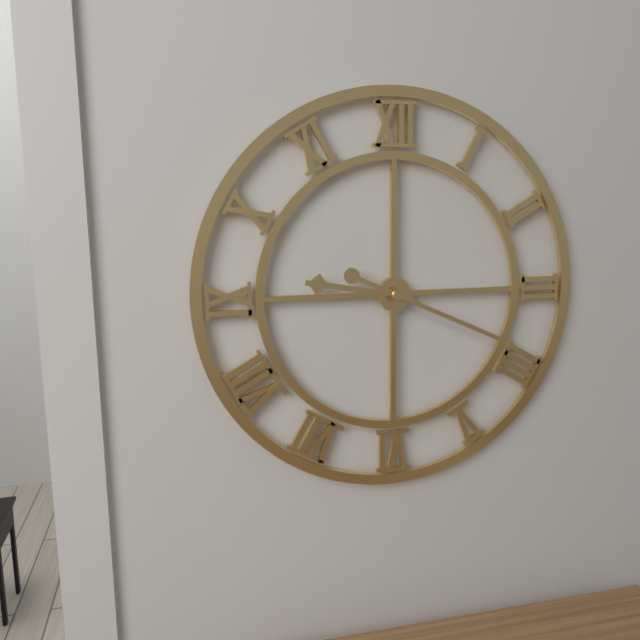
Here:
9 h 19 min
